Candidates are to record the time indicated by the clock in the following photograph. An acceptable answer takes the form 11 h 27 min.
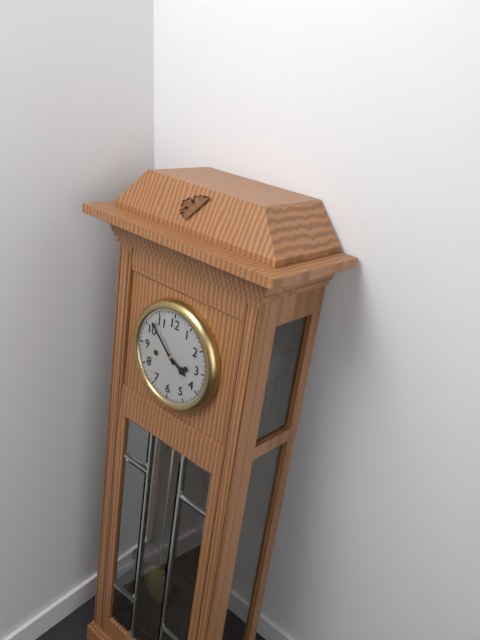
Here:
3 h 52 min
